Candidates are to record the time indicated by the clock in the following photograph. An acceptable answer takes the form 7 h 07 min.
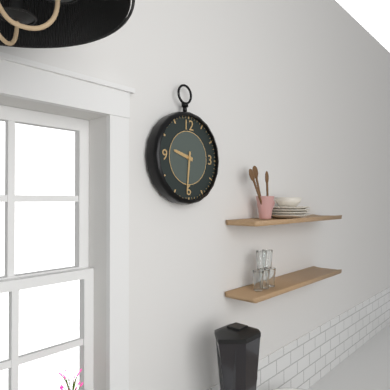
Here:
9 h 31 min
